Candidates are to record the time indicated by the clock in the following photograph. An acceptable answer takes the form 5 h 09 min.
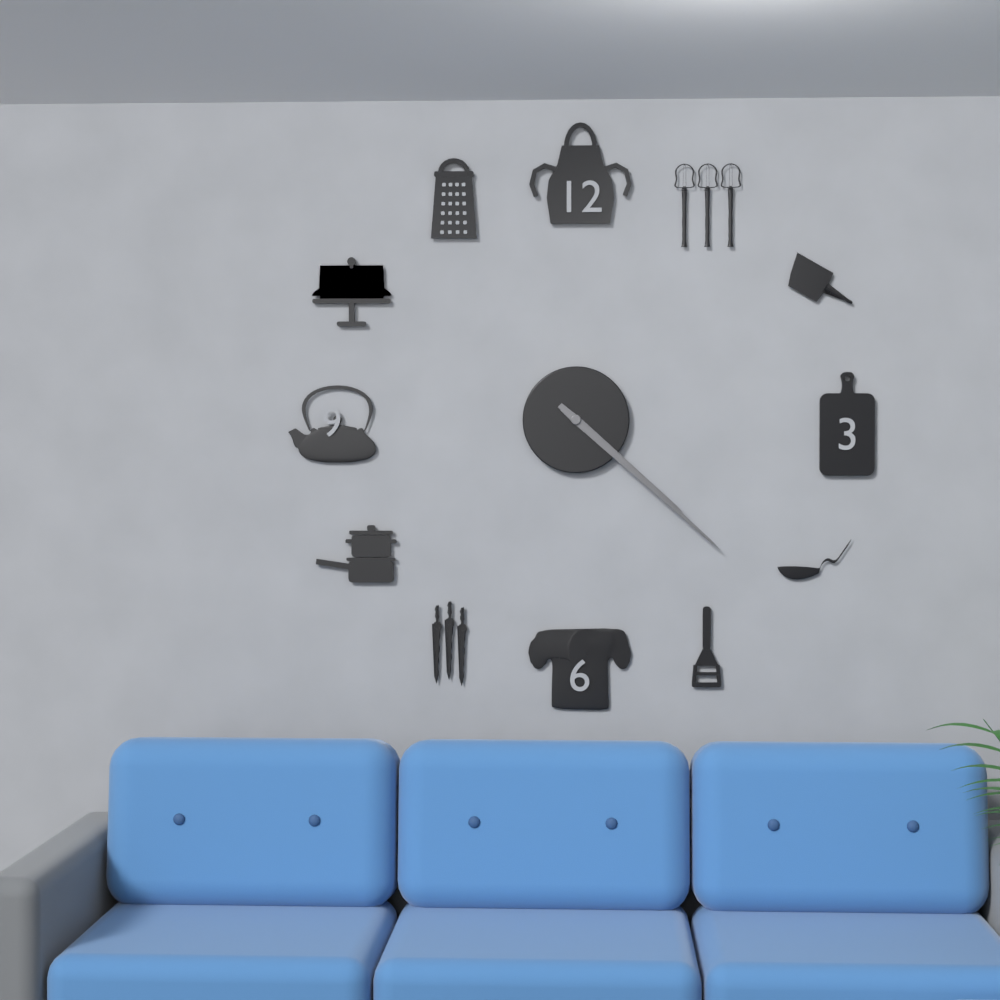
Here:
4 h 22 min
